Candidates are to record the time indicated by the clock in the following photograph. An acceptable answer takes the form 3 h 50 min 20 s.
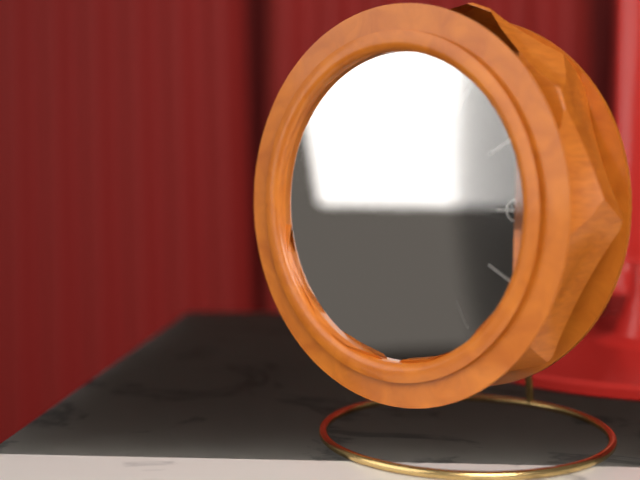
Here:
12 h 34 min 37 s
